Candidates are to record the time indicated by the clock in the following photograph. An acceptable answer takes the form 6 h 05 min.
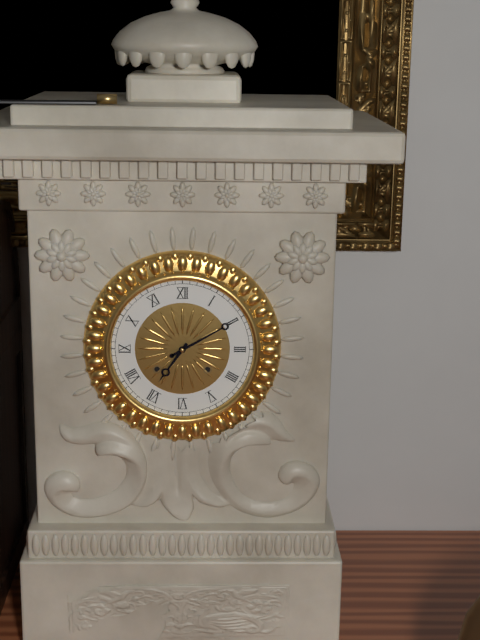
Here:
7 h 10 min
